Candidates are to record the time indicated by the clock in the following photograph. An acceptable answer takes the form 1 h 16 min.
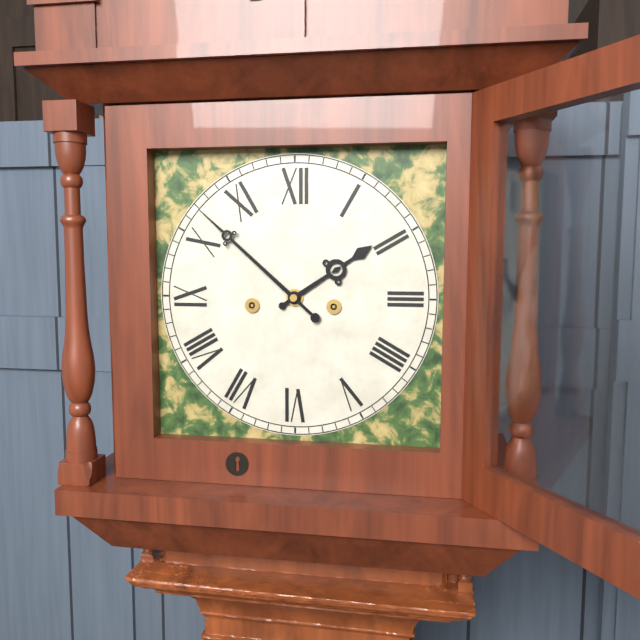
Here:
1 h 52 min
